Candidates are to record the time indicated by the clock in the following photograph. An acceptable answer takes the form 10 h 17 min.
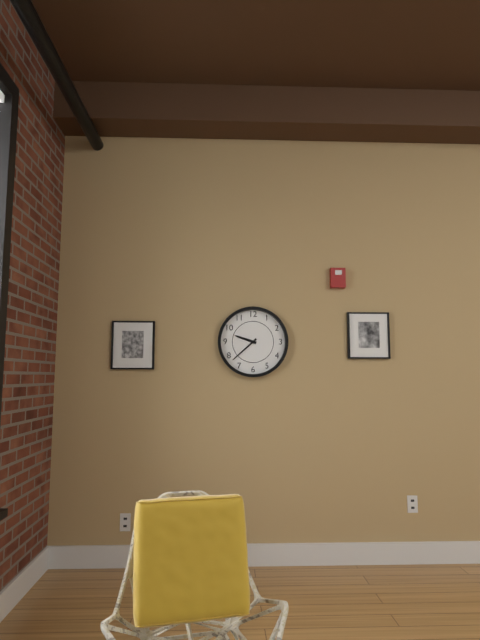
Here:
9 h 38 min
